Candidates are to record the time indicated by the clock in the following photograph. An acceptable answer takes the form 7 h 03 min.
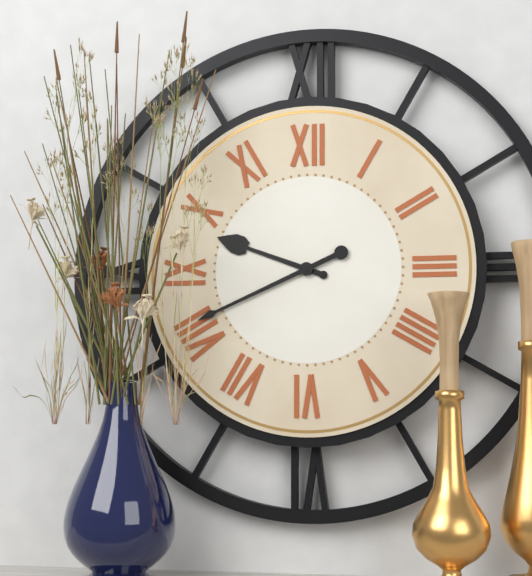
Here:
9 h 41 min
